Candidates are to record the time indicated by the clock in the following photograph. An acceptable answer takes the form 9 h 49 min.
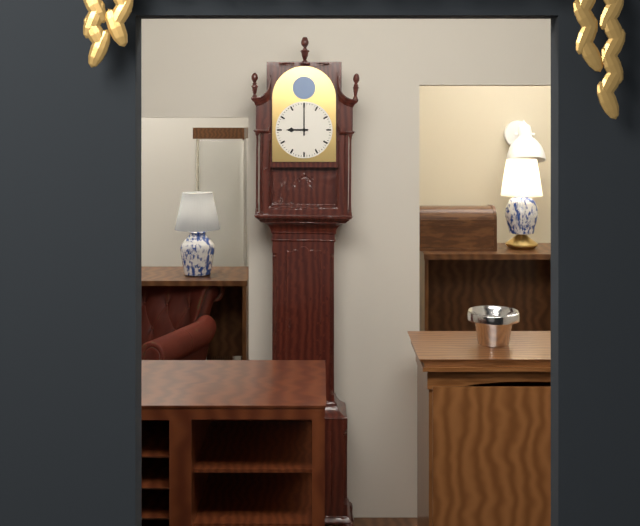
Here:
9 h 00 min
